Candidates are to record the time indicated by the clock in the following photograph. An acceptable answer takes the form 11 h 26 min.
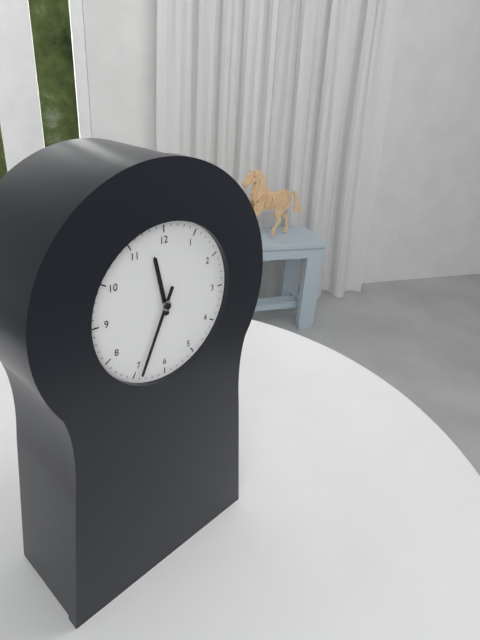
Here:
11 h 34 min
